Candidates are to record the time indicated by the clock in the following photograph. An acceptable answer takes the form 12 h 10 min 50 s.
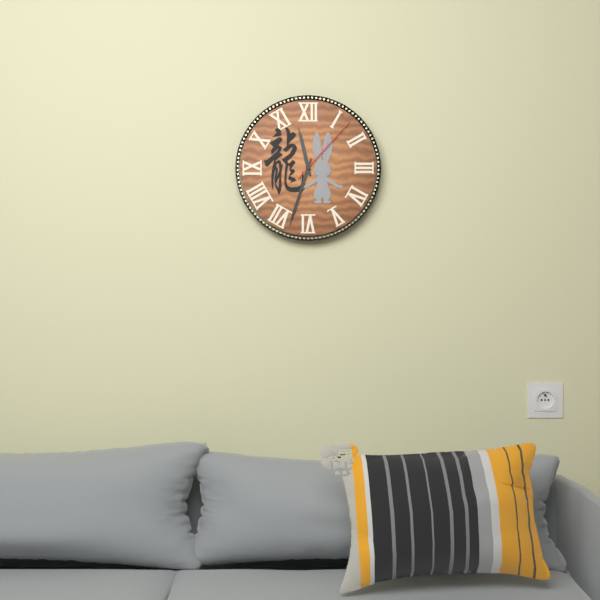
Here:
11 h 33 min 07 s
